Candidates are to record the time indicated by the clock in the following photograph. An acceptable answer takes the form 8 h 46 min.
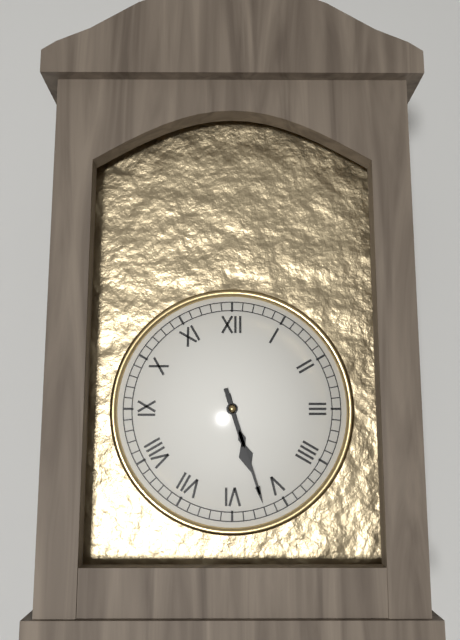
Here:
5 h 27 min
